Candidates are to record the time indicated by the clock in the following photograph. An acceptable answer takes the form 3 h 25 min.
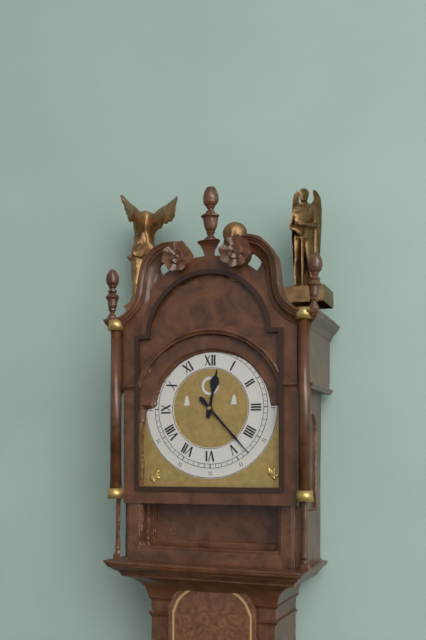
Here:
12 h 23 min
